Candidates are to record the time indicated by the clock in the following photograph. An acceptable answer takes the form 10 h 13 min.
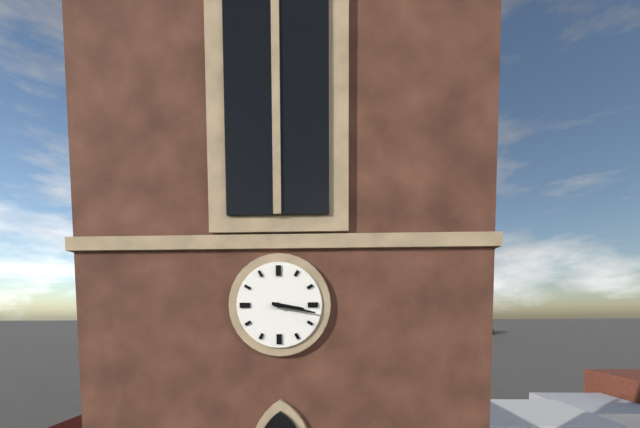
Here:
3 h 17 min
